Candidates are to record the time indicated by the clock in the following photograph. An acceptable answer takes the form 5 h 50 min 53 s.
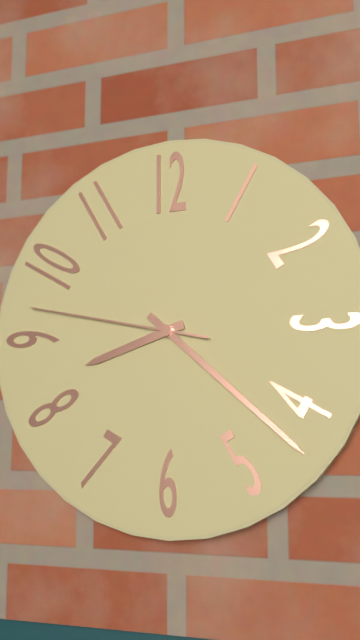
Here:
8 h 22 min 47 s
